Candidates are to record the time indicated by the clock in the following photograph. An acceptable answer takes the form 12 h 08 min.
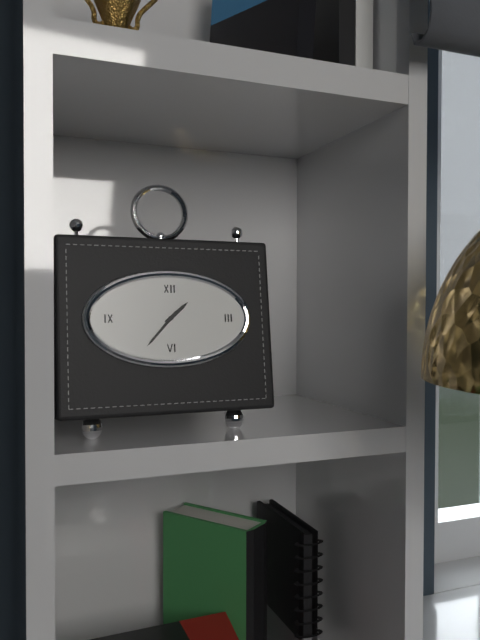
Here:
1 h 37 min
